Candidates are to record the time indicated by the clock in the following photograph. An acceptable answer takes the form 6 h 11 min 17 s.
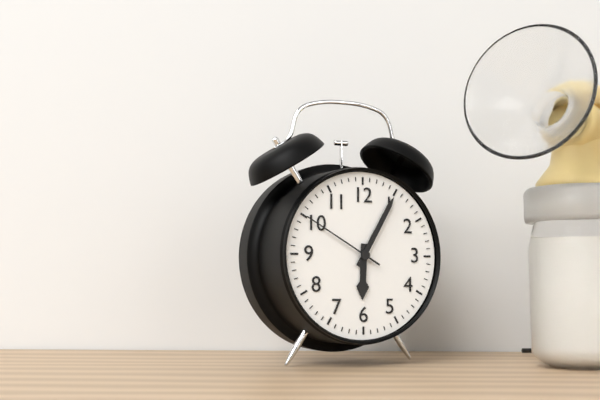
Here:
6 h 05 min 50 s
